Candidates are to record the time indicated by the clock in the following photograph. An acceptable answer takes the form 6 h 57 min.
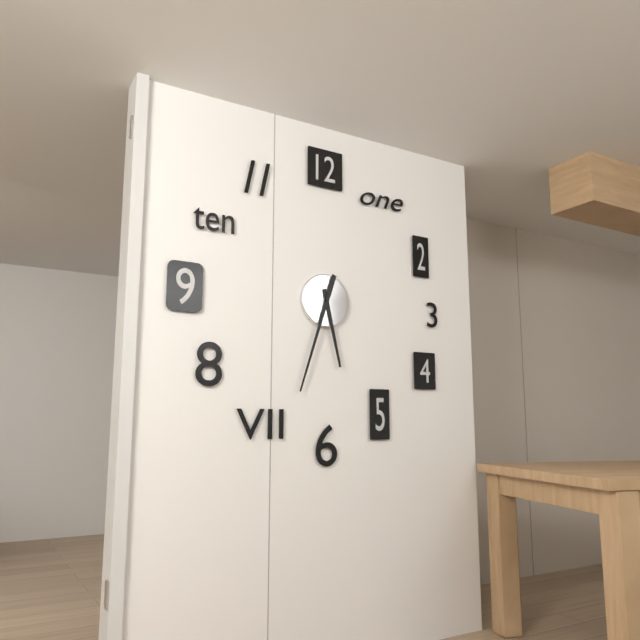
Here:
5 h 33 min
